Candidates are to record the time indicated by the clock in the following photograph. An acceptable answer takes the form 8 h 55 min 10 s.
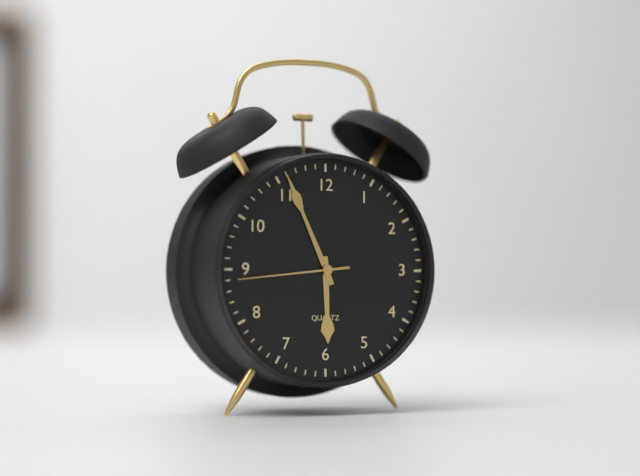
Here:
5 h 56 min 44 s
